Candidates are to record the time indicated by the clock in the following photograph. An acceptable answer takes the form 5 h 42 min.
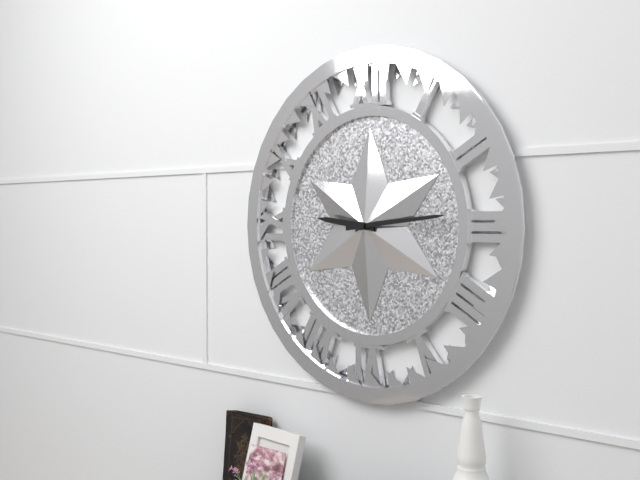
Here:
9 h 14 min
